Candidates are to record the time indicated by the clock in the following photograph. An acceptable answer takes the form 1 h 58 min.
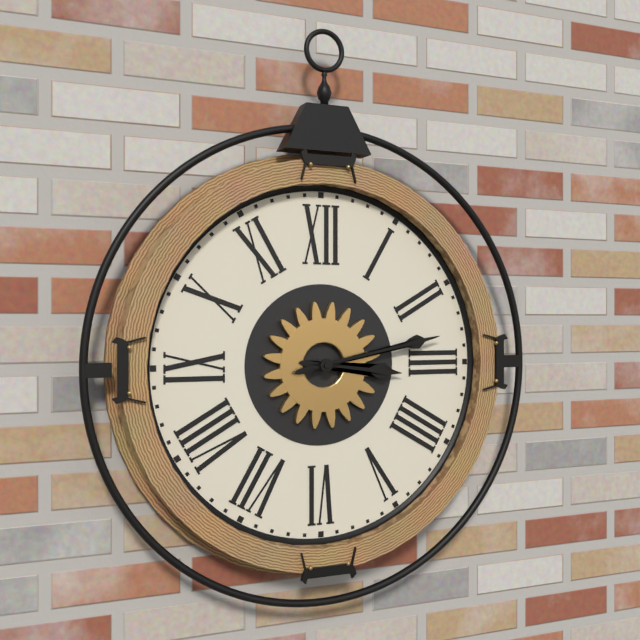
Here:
3 h 13 min
